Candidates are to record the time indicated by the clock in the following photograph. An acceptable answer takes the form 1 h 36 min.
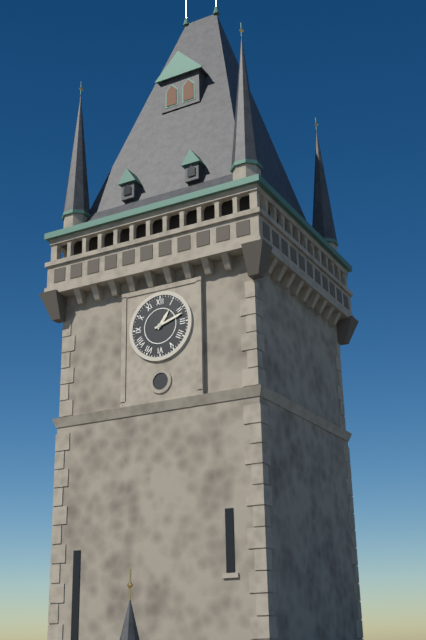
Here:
1 h 12 min
